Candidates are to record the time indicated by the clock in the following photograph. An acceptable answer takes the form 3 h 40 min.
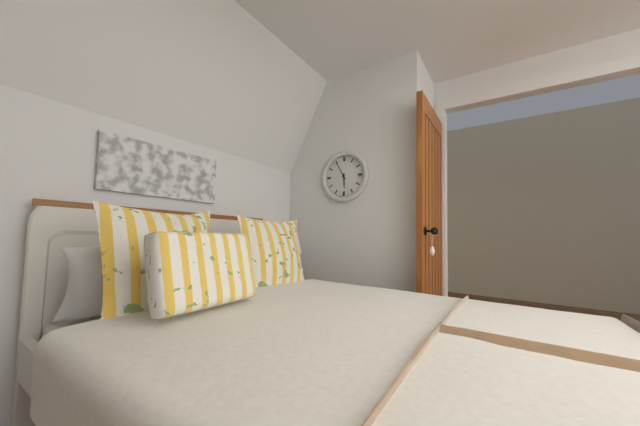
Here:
5 h 55 min
